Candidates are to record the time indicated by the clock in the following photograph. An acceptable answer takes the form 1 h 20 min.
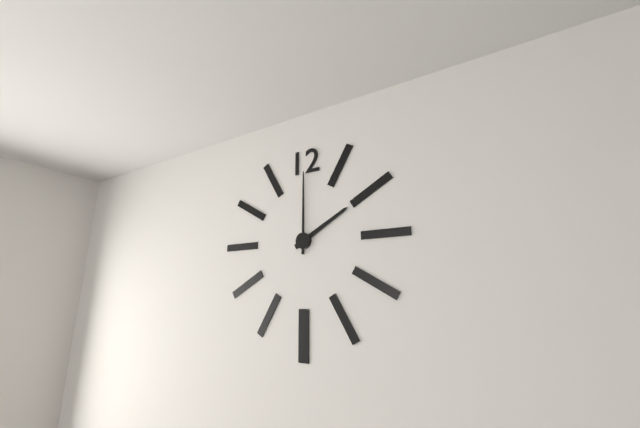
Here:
2 h 00 min
